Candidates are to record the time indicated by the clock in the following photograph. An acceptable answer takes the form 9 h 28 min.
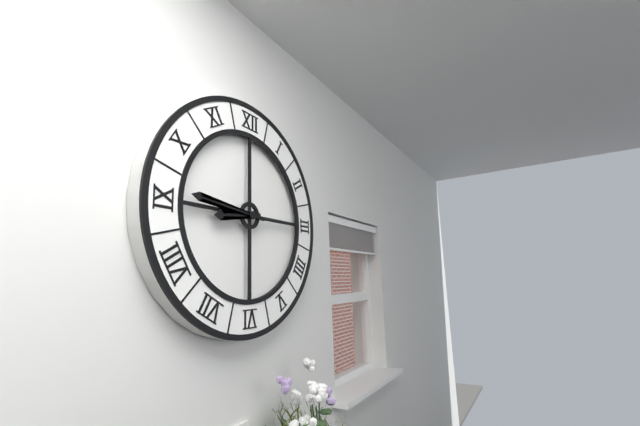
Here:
8 h 46 min
